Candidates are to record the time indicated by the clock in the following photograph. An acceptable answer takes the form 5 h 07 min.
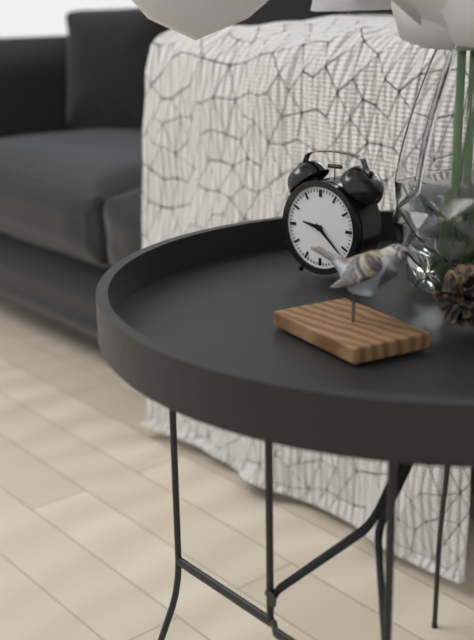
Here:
9 h 22 min
